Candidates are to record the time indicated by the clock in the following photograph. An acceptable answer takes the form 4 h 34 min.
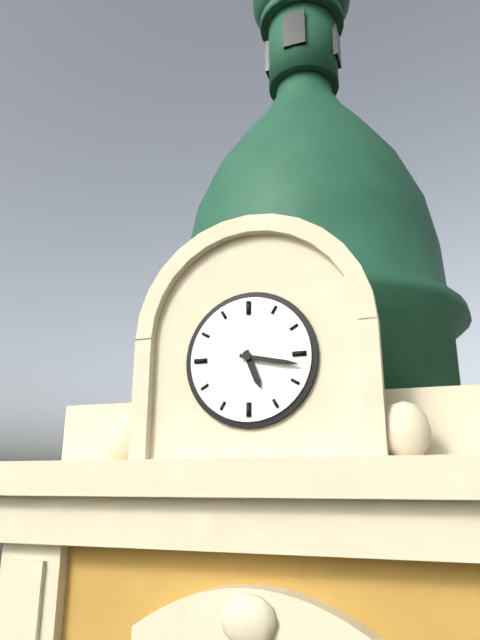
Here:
5 h 17 min
